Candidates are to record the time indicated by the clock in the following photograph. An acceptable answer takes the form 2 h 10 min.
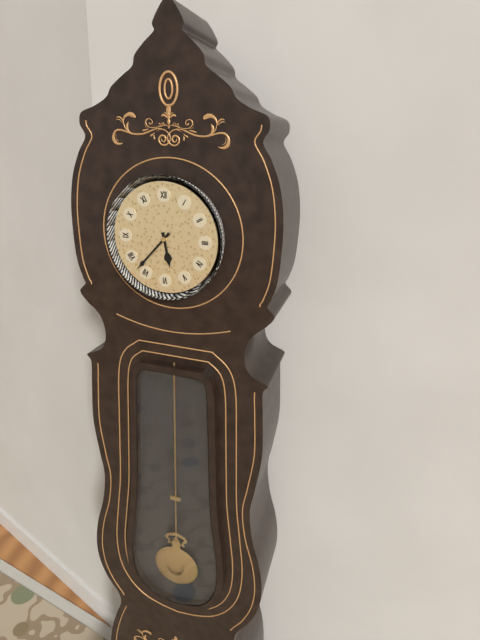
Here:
5 h 37 min
